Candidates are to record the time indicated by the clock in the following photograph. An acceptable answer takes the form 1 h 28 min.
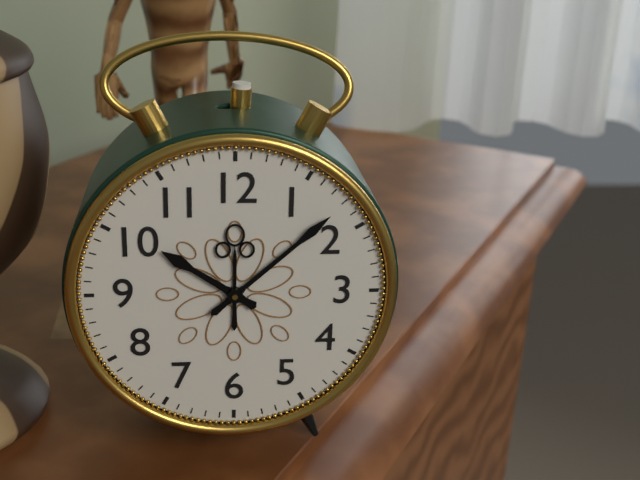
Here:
10 h 08 min
